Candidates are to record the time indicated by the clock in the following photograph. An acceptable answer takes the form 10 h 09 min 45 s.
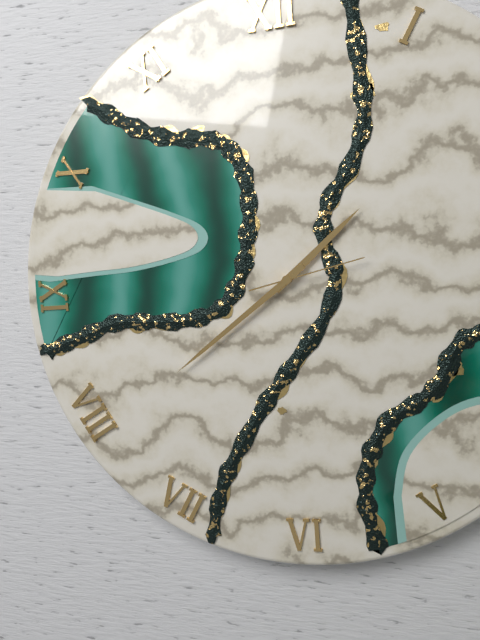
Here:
1 h 39 min 13 s
